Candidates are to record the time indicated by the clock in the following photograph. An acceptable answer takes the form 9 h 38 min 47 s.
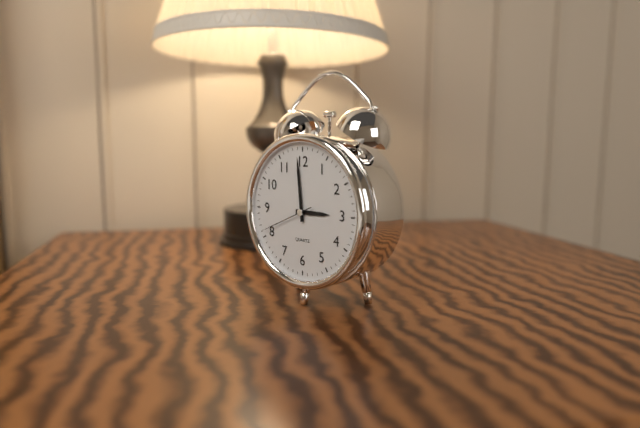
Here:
2 h 59 min 41 s
